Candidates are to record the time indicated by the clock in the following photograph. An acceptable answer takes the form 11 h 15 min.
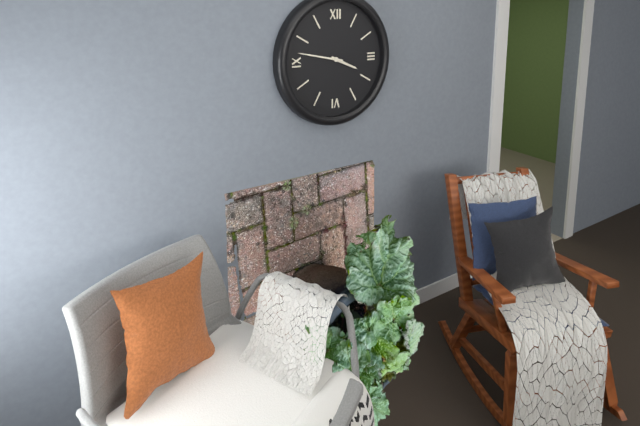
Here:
3 h 47 min
